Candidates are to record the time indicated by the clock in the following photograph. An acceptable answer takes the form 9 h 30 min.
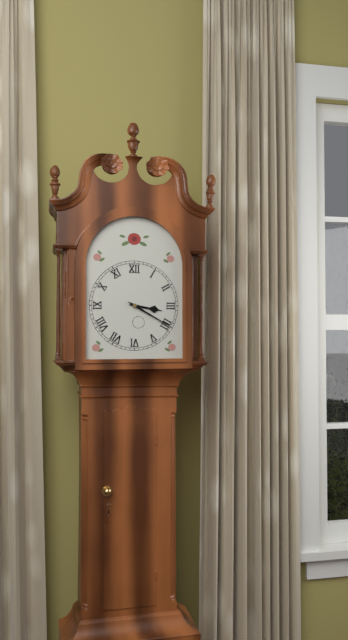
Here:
3 h 20 min
